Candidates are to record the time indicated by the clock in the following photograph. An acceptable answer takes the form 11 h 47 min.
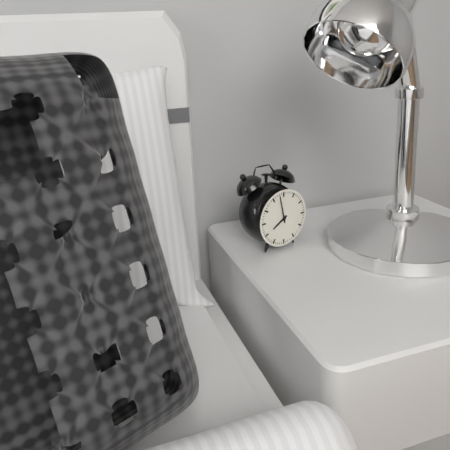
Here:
7 h 58 min
